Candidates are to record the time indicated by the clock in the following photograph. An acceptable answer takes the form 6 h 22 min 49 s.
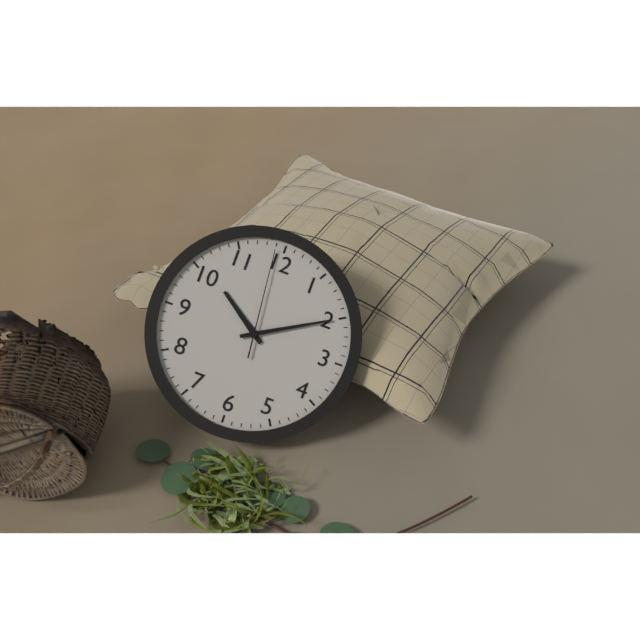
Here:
10 h 10 min 59 s
